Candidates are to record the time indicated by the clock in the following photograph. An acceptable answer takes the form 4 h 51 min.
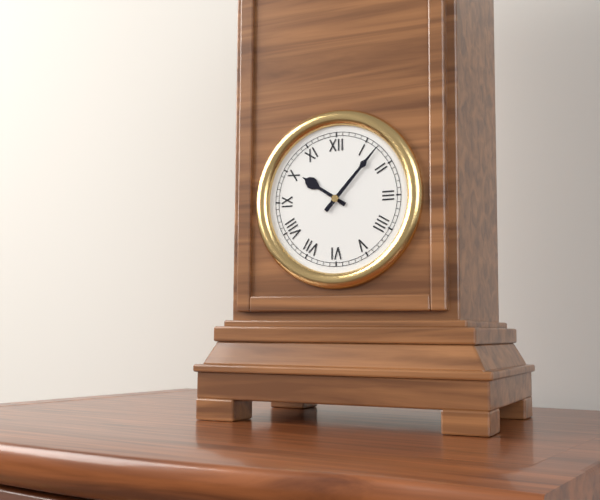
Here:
10 h 07 min
